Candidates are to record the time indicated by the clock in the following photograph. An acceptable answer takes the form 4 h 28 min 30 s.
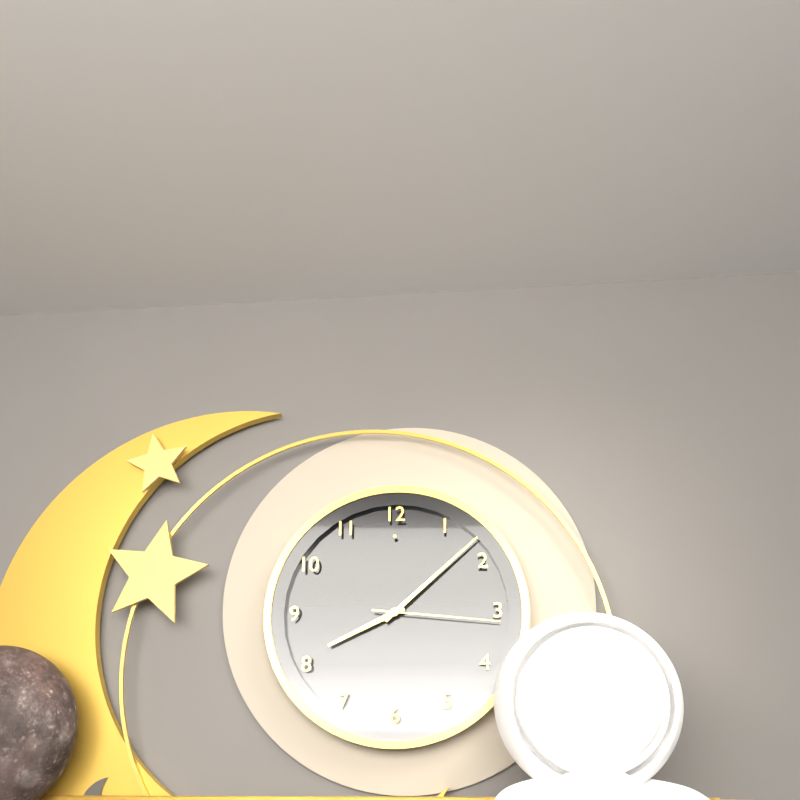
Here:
8 h 08 min 16 s
